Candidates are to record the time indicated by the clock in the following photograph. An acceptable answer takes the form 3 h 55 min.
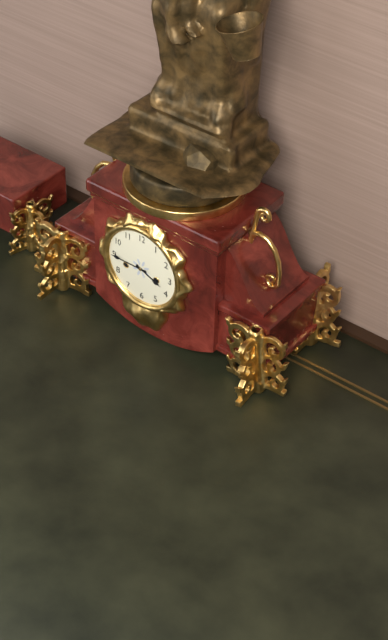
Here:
3 h 45 min
